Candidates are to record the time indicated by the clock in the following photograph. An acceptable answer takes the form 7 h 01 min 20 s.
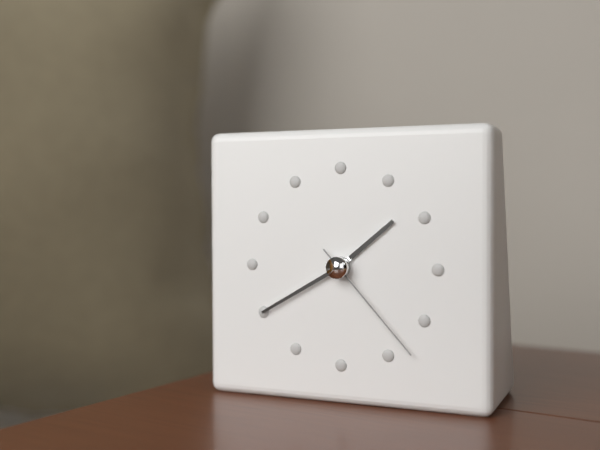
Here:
1 h 40 min 23 s
